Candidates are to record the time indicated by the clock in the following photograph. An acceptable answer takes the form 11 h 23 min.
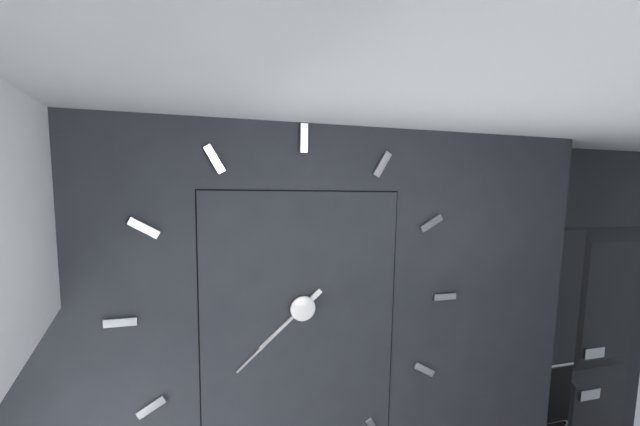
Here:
7 h 38 min
